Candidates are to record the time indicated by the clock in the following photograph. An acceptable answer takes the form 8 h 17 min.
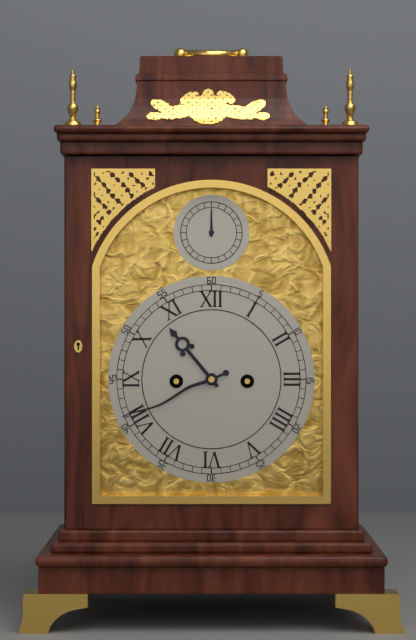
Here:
10 h 41 min
